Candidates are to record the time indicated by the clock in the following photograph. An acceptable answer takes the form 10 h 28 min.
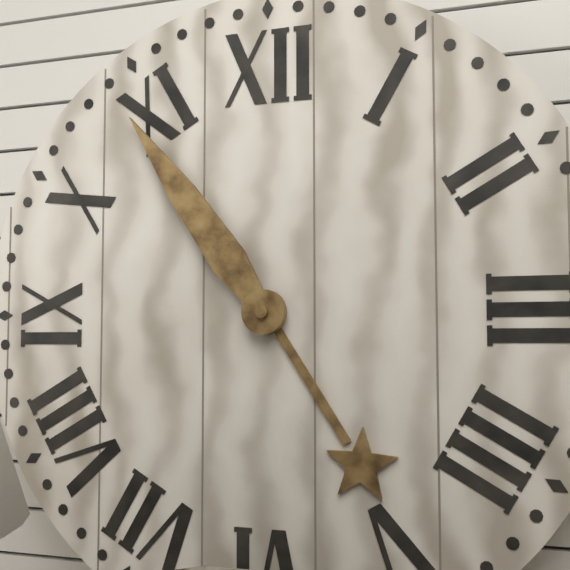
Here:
4 h 54 min
